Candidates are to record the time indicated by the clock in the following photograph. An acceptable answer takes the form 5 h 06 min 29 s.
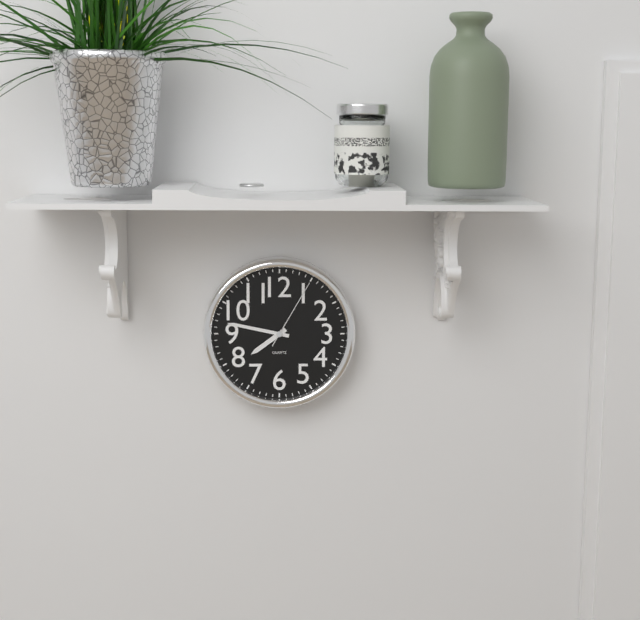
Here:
7 h 47 min 05 s
